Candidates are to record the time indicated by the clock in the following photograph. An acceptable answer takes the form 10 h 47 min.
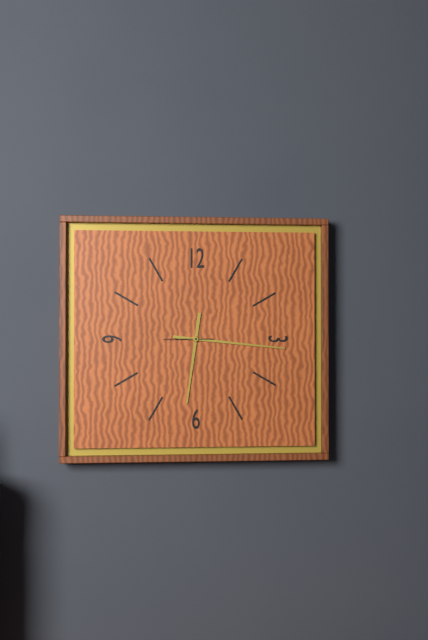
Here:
6 h 16 min
